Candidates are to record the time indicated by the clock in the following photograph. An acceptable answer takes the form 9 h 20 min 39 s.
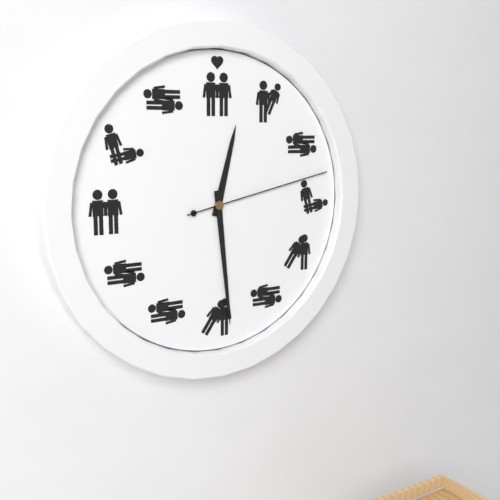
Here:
12 h 29 min 13 s
